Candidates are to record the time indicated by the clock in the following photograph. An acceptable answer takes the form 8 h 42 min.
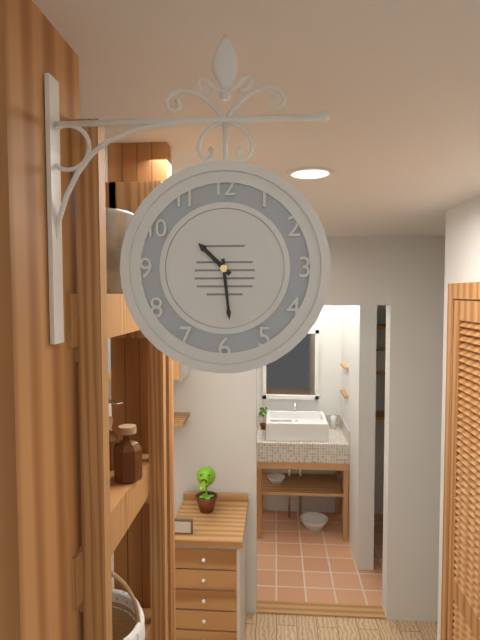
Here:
10 h 29 min
